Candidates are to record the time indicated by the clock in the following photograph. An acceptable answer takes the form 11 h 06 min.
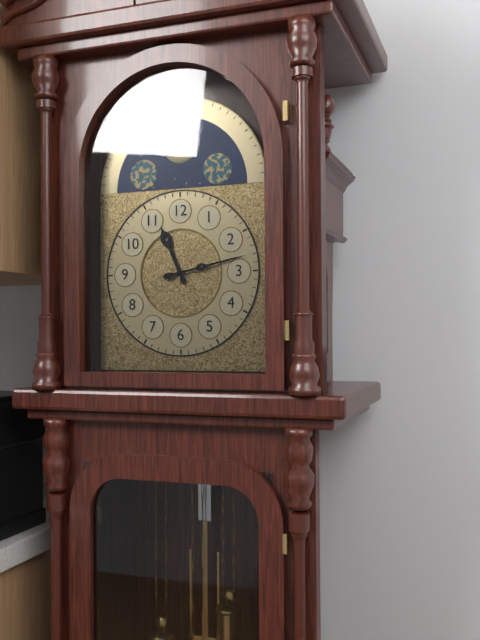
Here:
11 h 13 min
